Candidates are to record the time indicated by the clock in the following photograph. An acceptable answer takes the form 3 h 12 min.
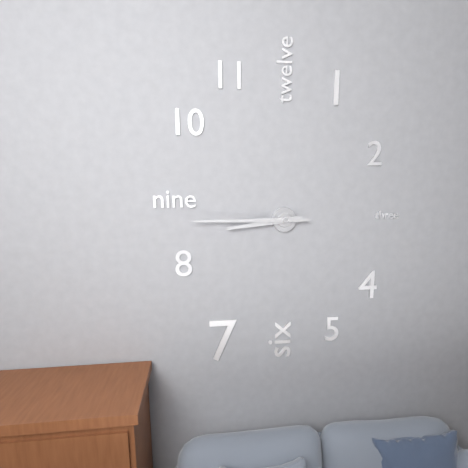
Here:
8 h 45 min
